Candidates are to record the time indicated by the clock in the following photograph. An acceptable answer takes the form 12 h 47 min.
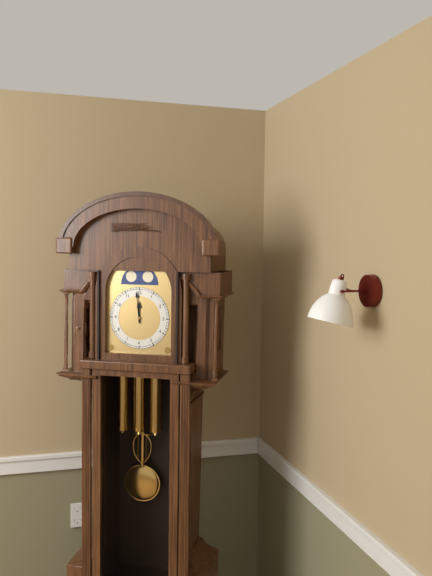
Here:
11 h 59 min
